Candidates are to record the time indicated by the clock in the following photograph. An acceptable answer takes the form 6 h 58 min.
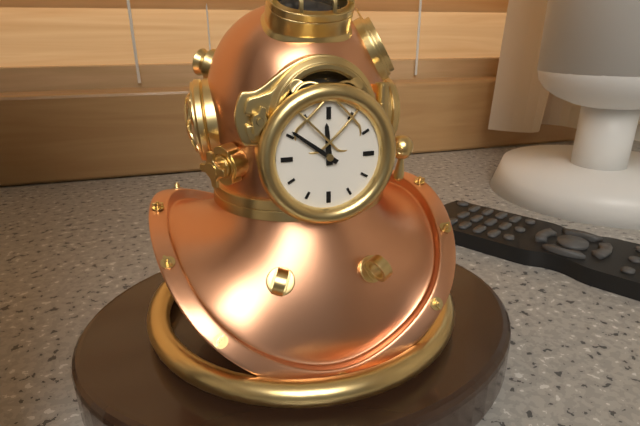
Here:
11 h 51 min
